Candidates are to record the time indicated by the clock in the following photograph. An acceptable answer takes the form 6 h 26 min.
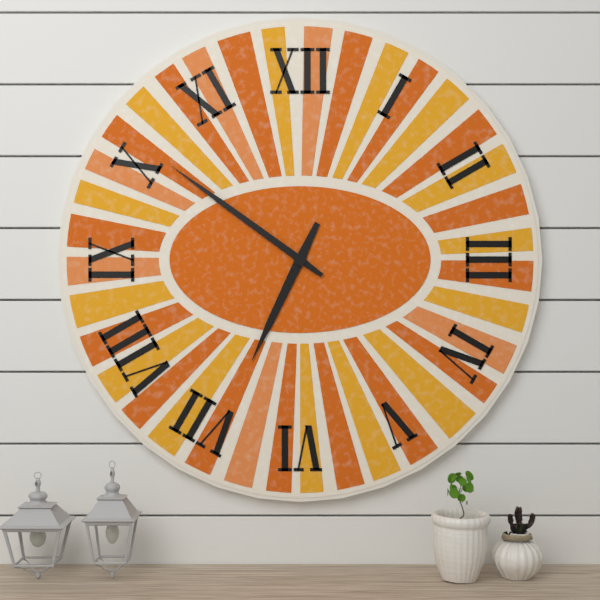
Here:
6 h 51 min
